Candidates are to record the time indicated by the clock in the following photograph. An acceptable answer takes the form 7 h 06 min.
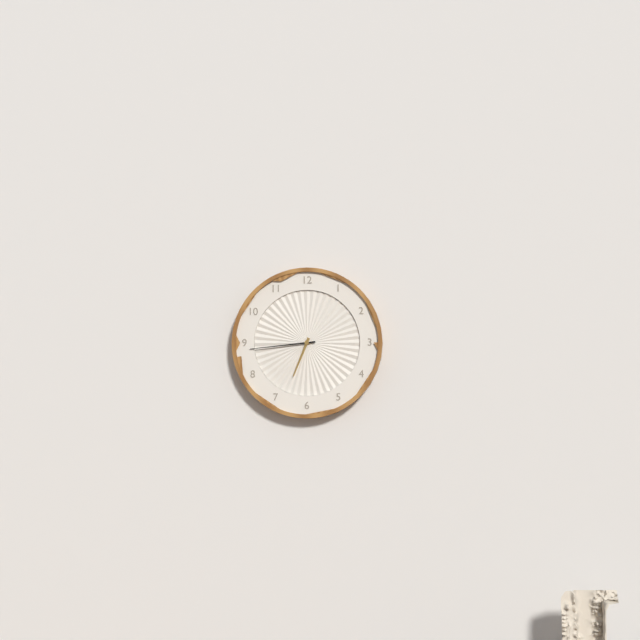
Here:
6 h 44 min
